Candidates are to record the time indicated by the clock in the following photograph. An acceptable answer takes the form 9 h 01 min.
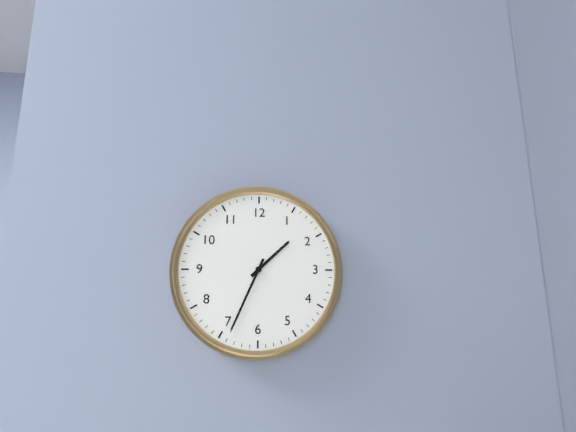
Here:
1 h 34 min
